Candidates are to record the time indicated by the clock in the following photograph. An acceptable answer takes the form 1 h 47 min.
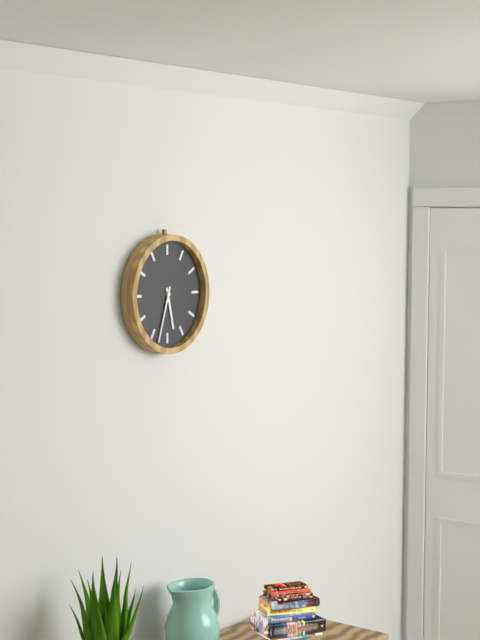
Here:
5 h 33 min
